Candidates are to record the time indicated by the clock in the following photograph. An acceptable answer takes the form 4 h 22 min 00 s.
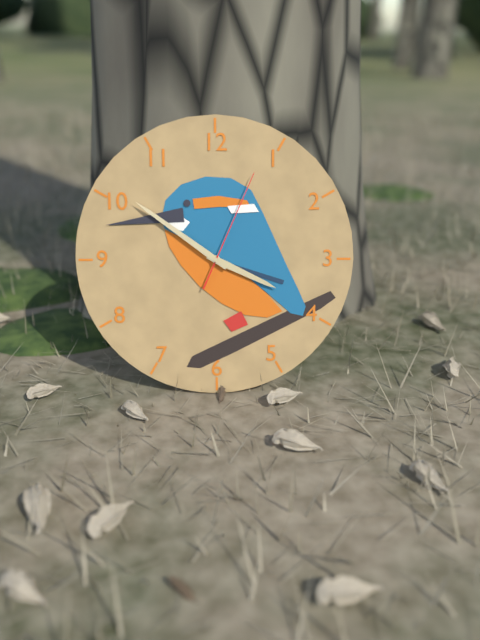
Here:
3 h 51 min 04 s
